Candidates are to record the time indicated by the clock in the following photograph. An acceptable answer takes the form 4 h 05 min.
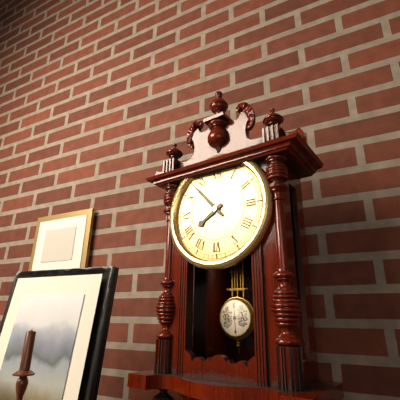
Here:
7 h 53 min
